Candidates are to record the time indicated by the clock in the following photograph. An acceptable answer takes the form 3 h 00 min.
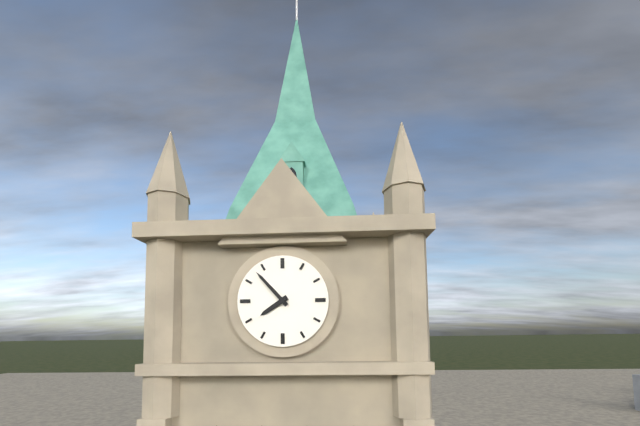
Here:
7 h 53 min
